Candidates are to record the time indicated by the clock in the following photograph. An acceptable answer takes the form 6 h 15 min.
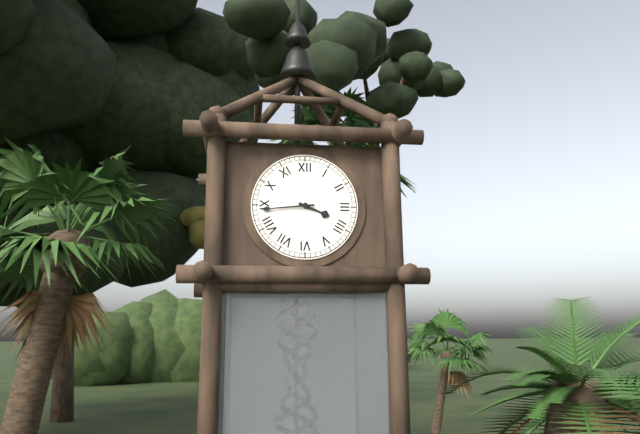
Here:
3 h 44 min
